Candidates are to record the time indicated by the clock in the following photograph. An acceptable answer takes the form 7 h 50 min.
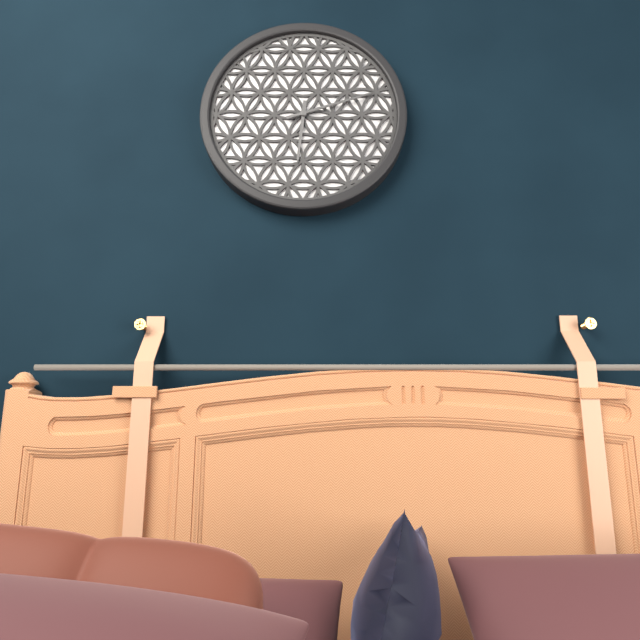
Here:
6 h 12 min
